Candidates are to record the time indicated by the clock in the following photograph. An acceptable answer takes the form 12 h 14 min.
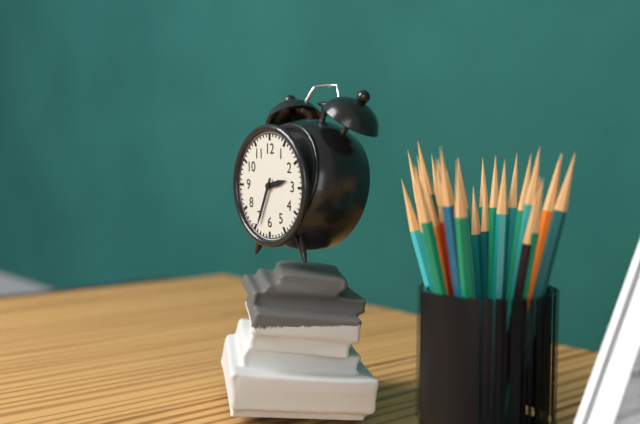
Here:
2 h 34 min
